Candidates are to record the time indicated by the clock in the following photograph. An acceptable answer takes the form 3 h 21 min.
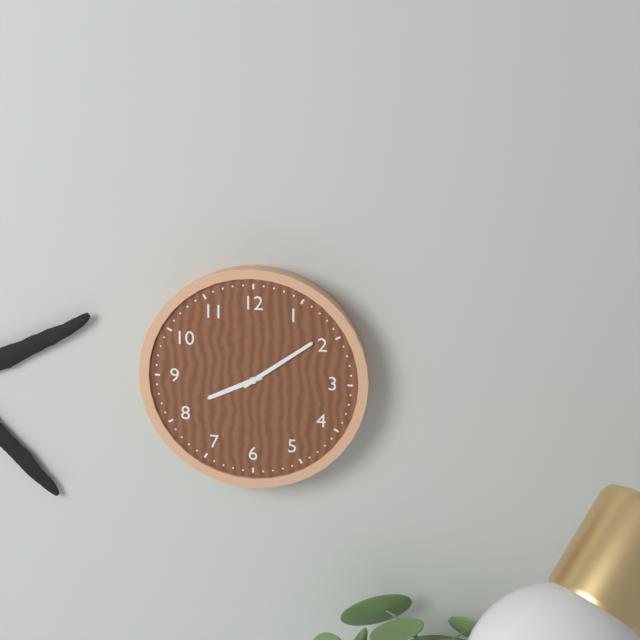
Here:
8 h 09 min
